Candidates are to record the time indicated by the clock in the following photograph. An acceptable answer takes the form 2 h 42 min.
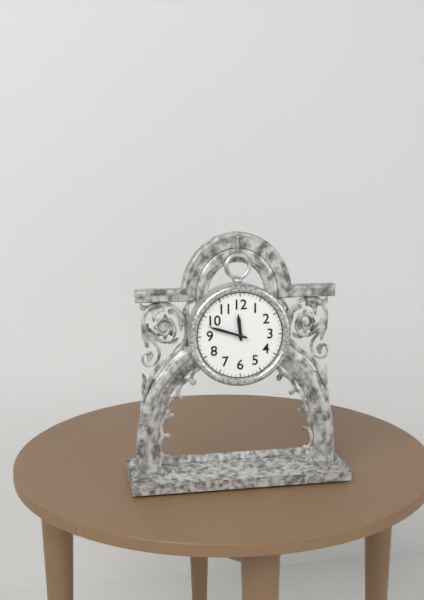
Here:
11 h 48 min
